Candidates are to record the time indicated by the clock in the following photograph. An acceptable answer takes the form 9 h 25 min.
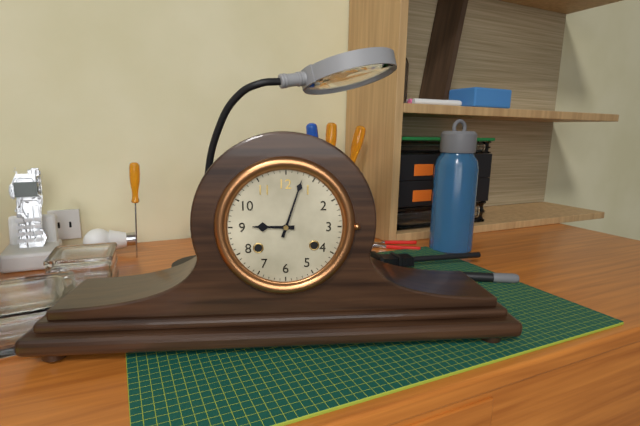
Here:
9 h 03 min
